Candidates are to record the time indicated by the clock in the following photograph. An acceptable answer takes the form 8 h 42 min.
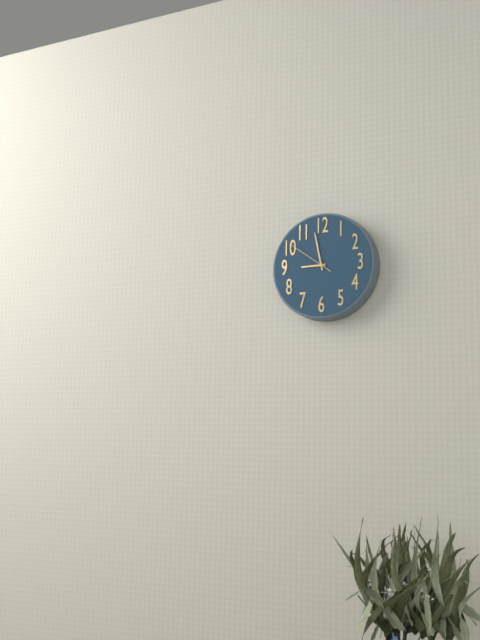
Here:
8 h 58 min
